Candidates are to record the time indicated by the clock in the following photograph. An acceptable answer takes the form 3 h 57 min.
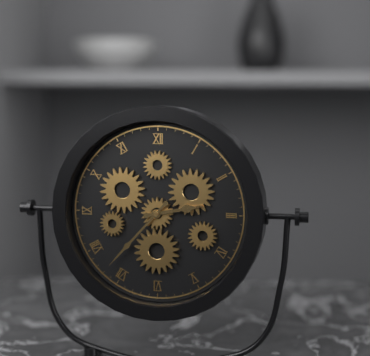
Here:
2 h 37 min
